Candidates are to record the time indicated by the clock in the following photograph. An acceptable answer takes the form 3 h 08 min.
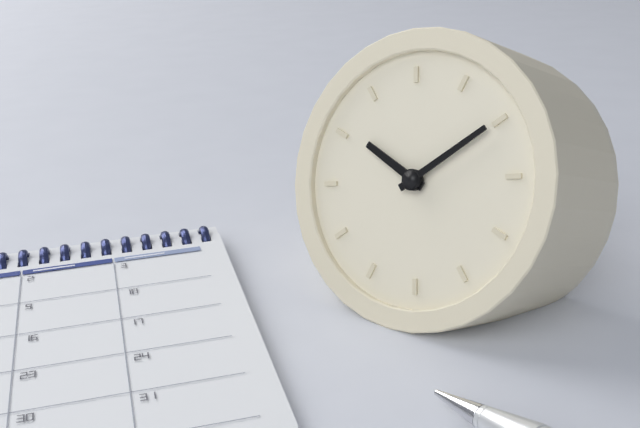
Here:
10 h 10 min
